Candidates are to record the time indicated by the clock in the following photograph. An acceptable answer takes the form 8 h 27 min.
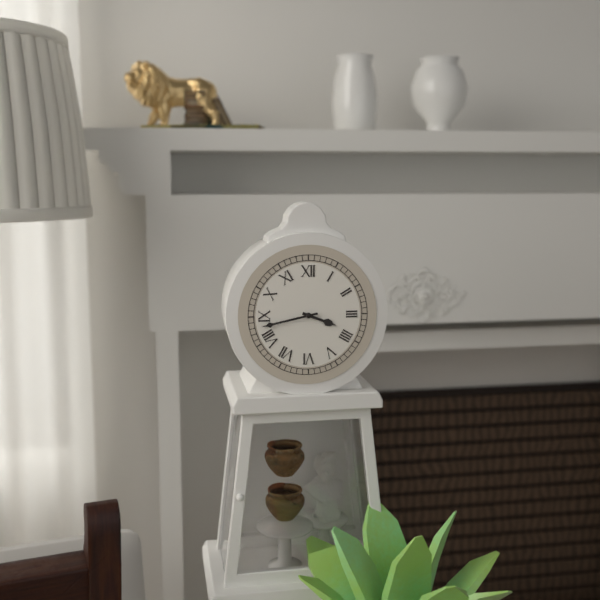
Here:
3 h 43 min
